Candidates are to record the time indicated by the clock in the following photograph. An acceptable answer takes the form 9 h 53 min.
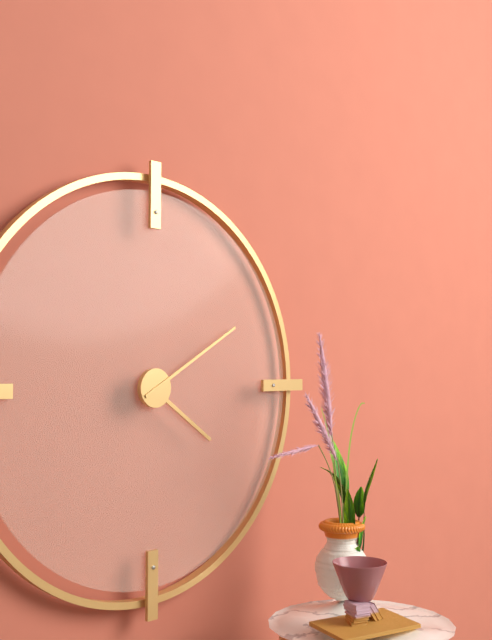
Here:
4 h 10 min
